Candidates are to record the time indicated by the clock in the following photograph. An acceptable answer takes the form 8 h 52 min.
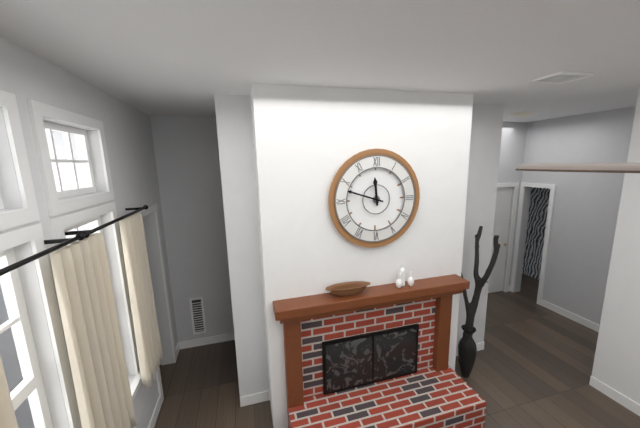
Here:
11 h 48 min
